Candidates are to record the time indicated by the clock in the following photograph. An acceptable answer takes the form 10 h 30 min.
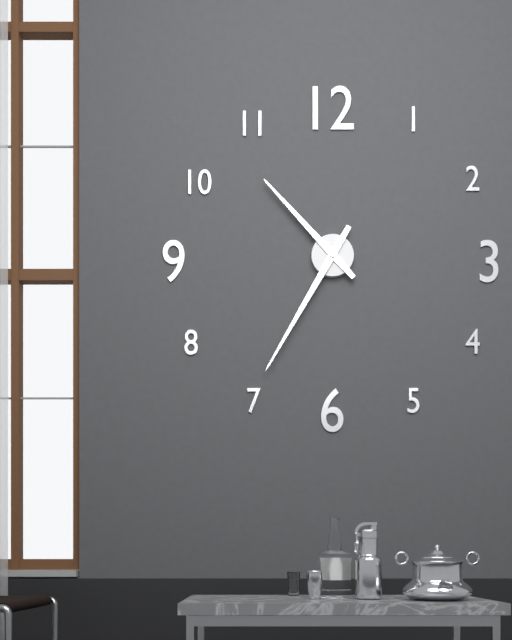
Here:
10 h 35 min
